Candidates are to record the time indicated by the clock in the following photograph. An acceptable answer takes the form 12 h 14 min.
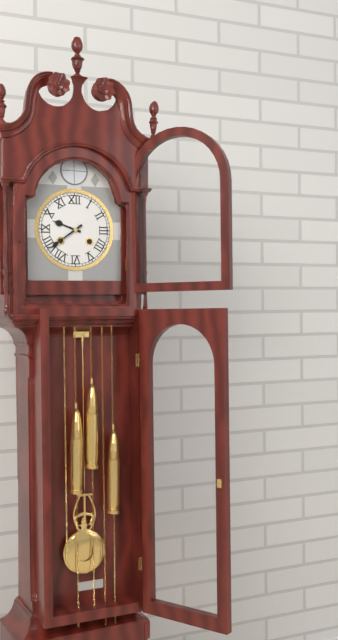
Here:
9 h 39 min
